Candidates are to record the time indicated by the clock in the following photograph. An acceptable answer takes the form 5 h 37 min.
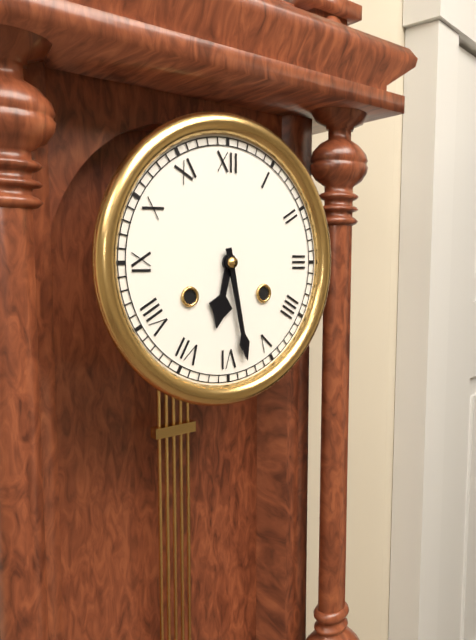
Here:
6 h 28 min
